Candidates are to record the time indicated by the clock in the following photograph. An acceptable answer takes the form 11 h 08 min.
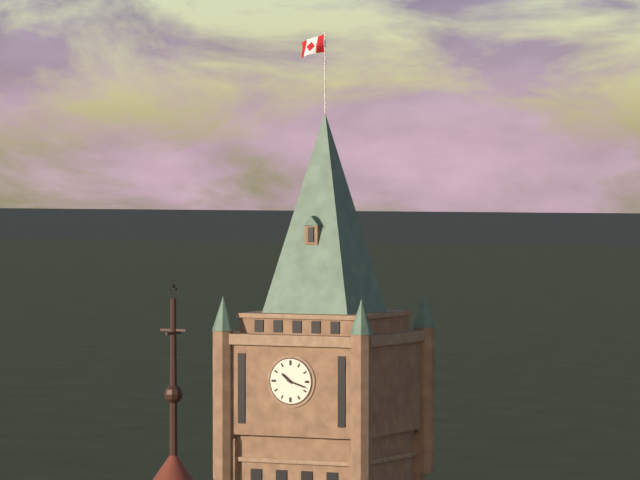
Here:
10 h 18 min
